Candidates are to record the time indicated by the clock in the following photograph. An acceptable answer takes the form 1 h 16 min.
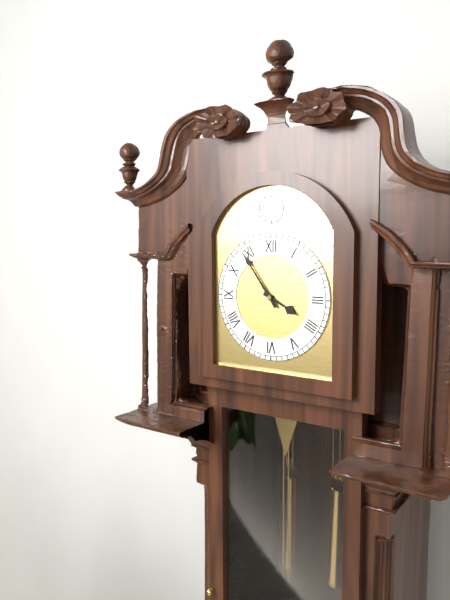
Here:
3 h 54 min
